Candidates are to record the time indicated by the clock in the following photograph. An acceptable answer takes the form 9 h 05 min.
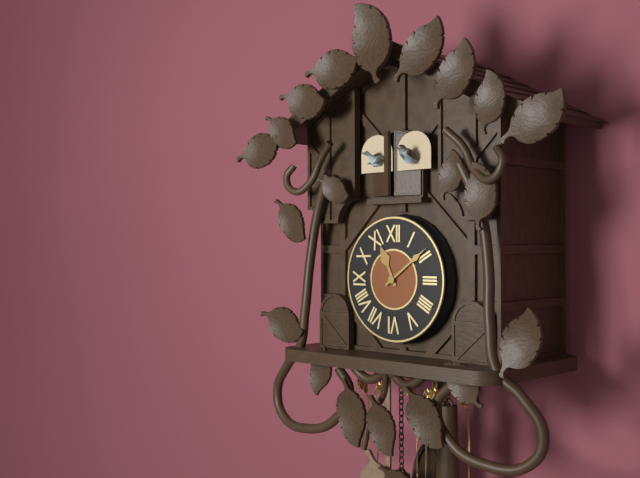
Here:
11 h 09 min
